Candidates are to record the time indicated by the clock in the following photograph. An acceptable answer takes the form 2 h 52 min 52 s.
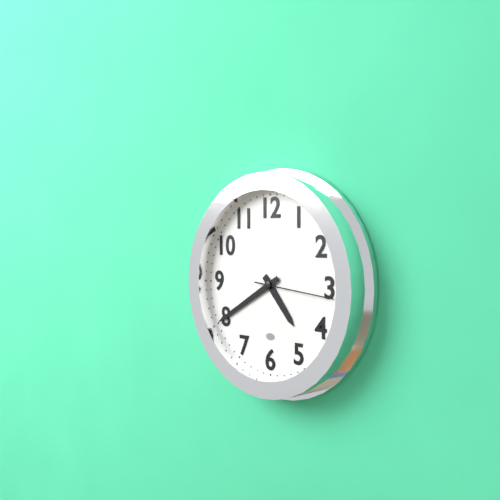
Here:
4 h 40 min 16 s
